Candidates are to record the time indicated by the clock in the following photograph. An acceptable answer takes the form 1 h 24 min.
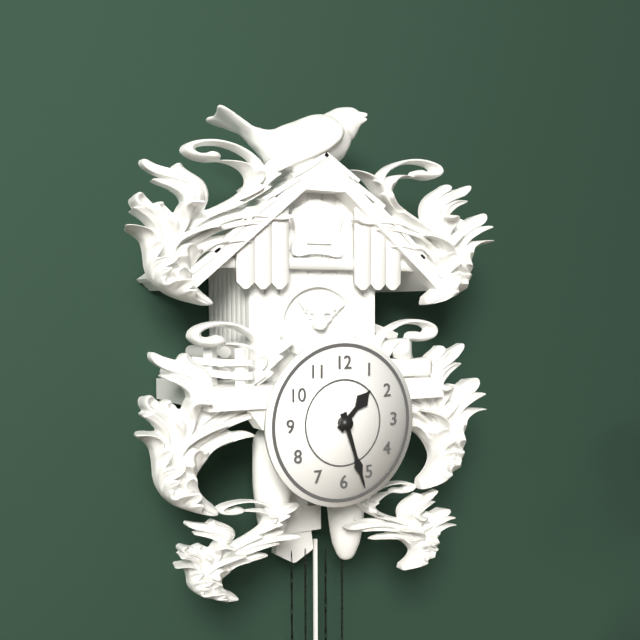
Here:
1 h 27 min
